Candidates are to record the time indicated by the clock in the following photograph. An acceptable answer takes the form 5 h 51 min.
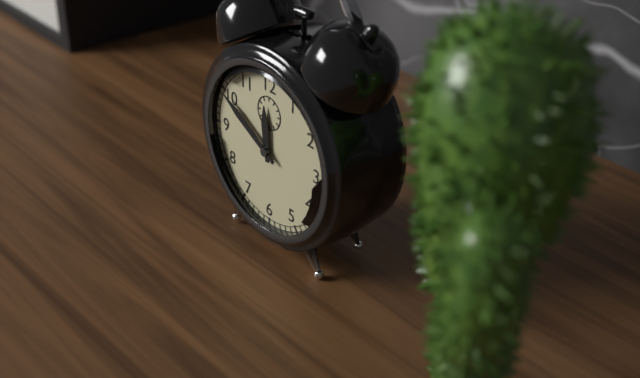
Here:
11 h 50 min
